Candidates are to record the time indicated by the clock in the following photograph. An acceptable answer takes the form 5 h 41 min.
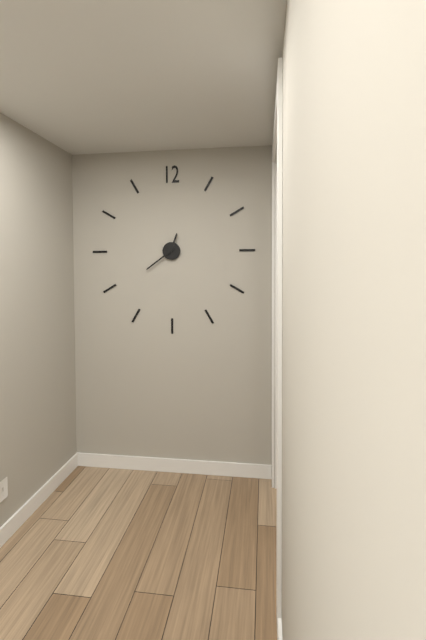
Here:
12 h 39 min
